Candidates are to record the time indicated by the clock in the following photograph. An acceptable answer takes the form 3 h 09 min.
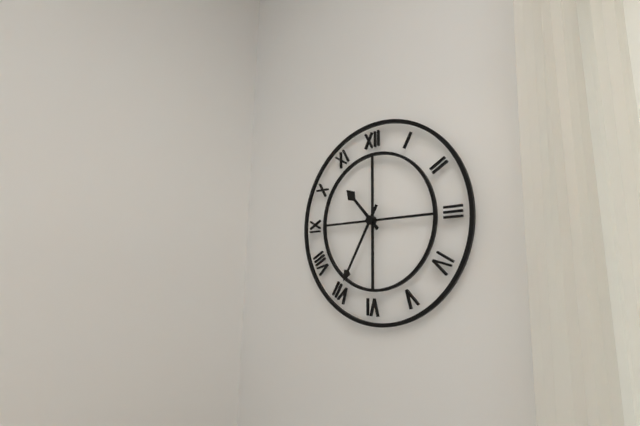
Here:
10 h 35 min
